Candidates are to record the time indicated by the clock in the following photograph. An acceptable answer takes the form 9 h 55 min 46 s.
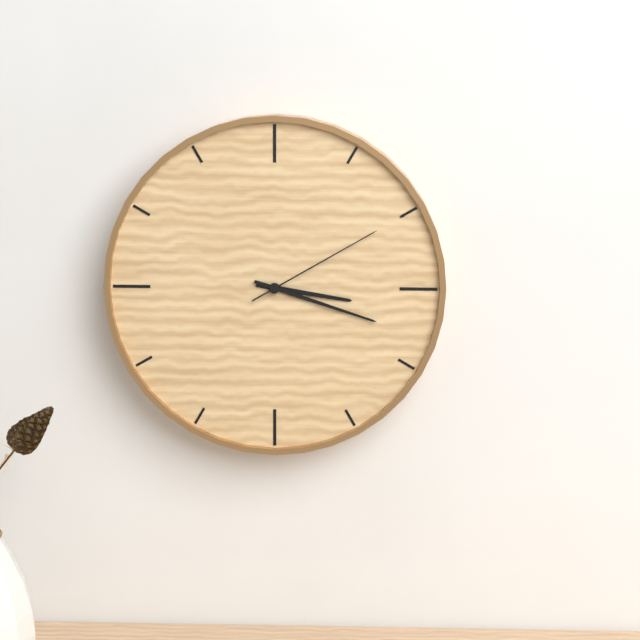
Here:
3 h 18 min 10 s
